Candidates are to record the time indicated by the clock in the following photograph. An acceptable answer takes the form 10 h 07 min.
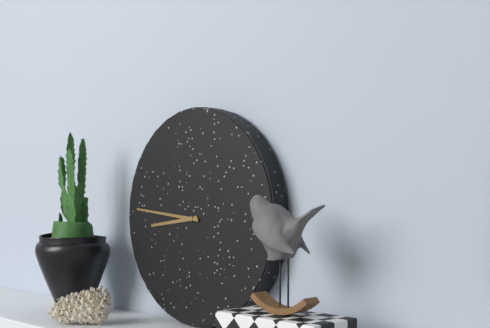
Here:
8 h 46 min
